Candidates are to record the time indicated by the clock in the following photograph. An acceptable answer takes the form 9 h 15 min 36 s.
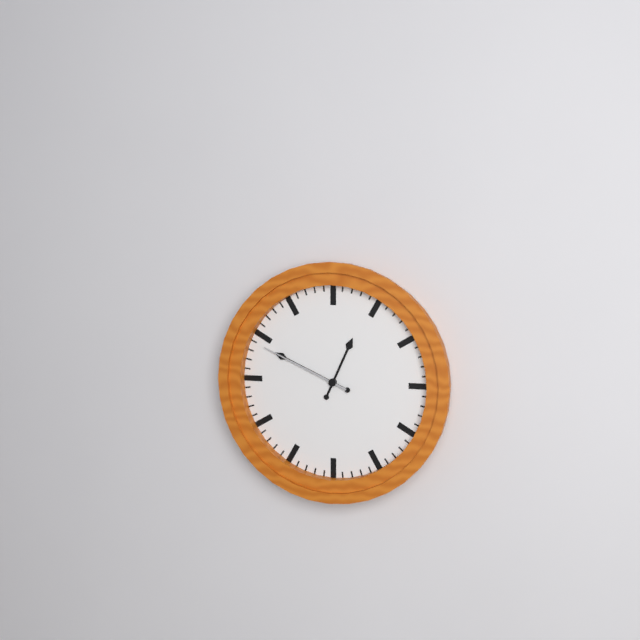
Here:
12 h 49 min 49 s
